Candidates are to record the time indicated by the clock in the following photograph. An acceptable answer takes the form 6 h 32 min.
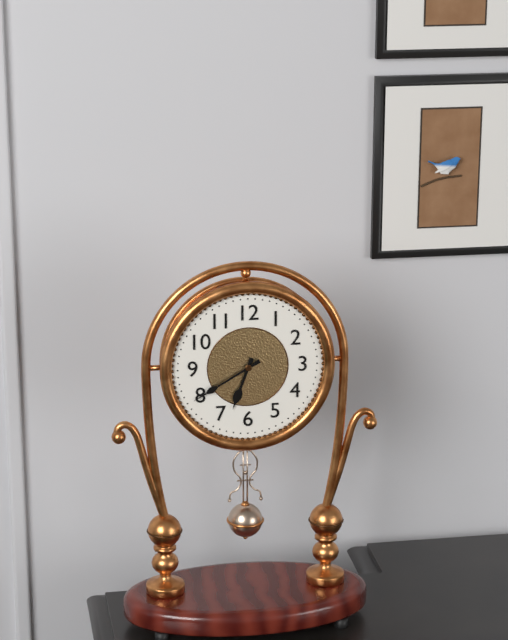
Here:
6 h 40 min
